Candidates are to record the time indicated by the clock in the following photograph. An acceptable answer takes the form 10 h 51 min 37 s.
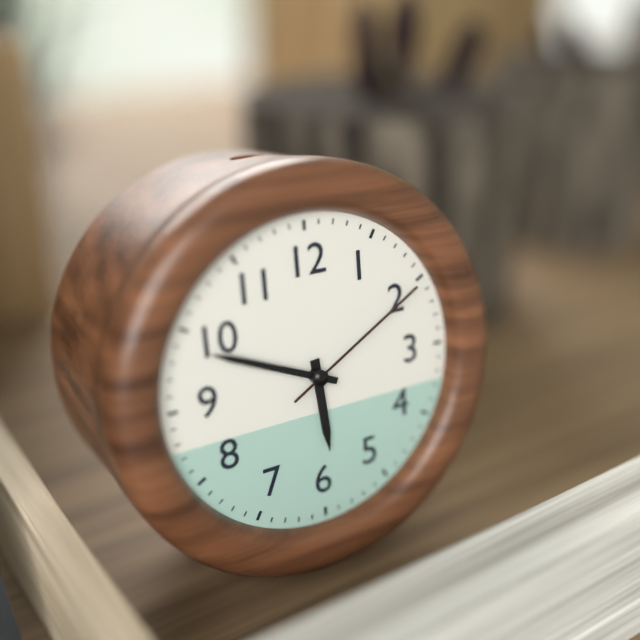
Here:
5 h 49 min 10 s
